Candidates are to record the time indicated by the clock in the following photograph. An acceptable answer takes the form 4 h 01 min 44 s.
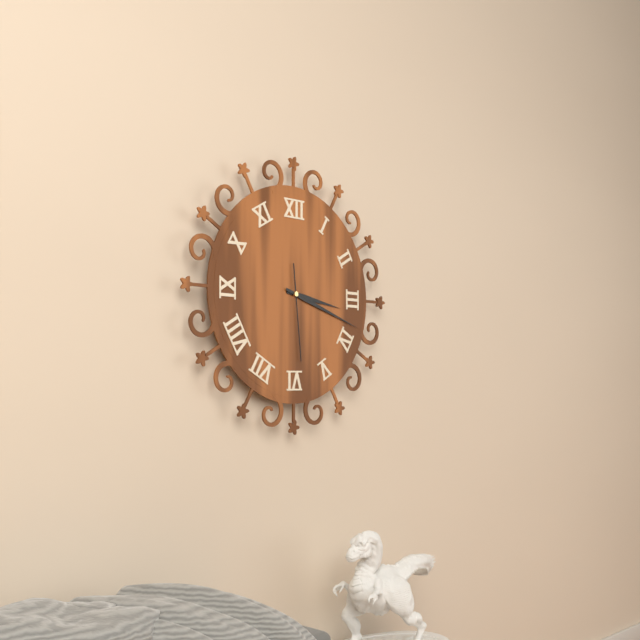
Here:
3 h 18 min 29 s
